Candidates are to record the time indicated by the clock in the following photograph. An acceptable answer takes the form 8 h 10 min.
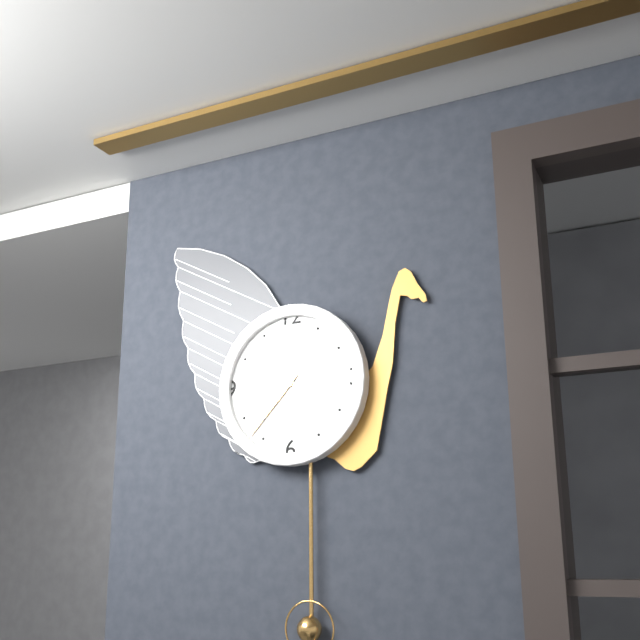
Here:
3 h 37 min
